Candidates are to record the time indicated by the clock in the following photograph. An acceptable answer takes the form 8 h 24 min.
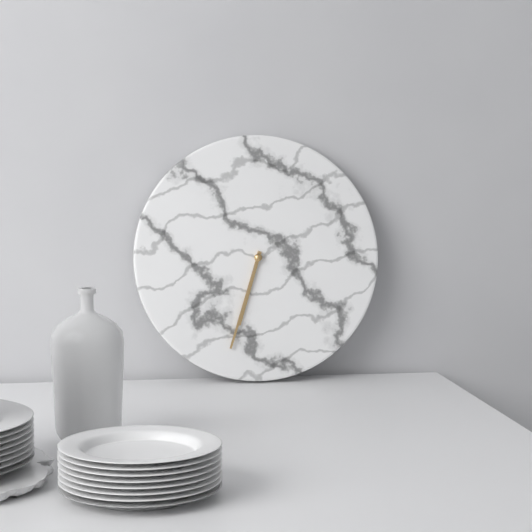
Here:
6 h 33 min
